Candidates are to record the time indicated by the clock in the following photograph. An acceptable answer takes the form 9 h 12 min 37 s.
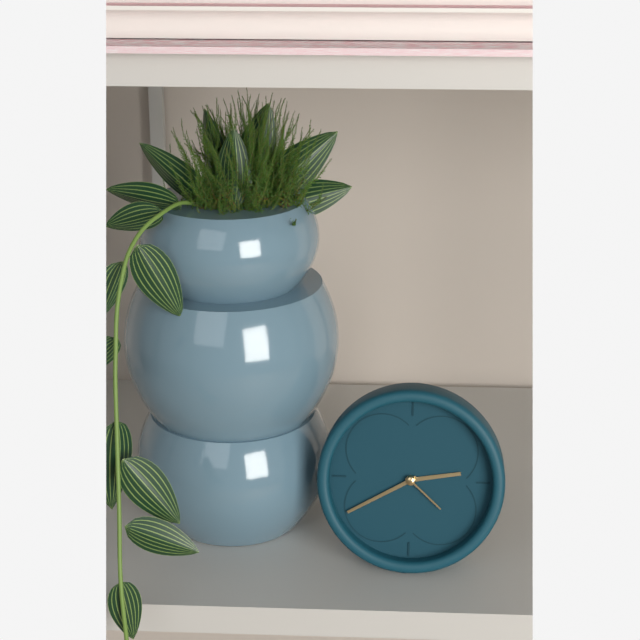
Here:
2 h 40 min 22 s
